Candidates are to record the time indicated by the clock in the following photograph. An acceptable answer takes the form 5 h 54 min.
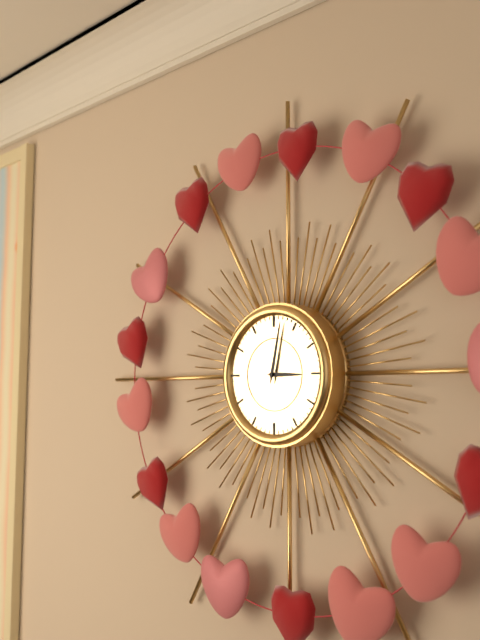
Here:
3 h 02 min
